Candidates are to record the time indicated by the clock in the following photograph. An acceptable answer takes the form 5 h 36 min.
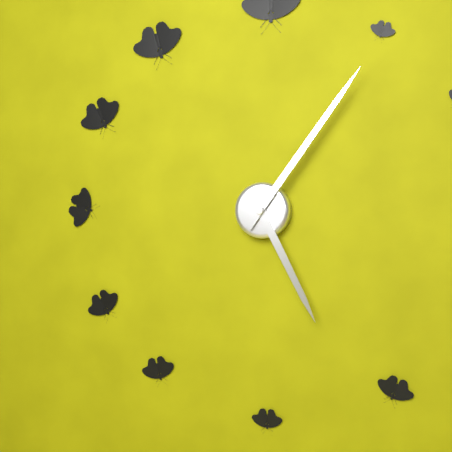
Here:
5 h 06 min
